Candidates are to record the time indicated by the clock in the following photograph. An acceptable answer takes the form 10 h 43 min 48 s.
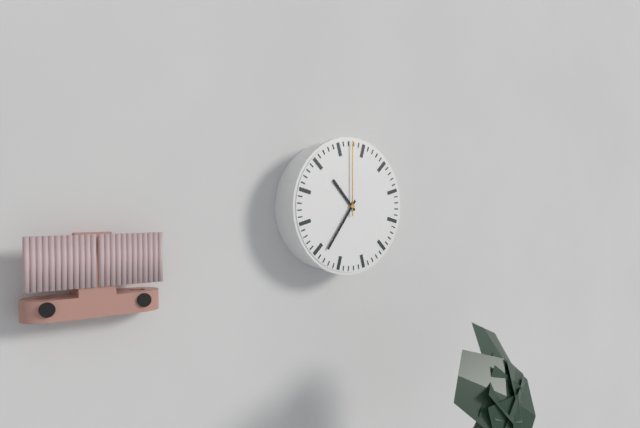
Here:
10 h 36 min 00 s
